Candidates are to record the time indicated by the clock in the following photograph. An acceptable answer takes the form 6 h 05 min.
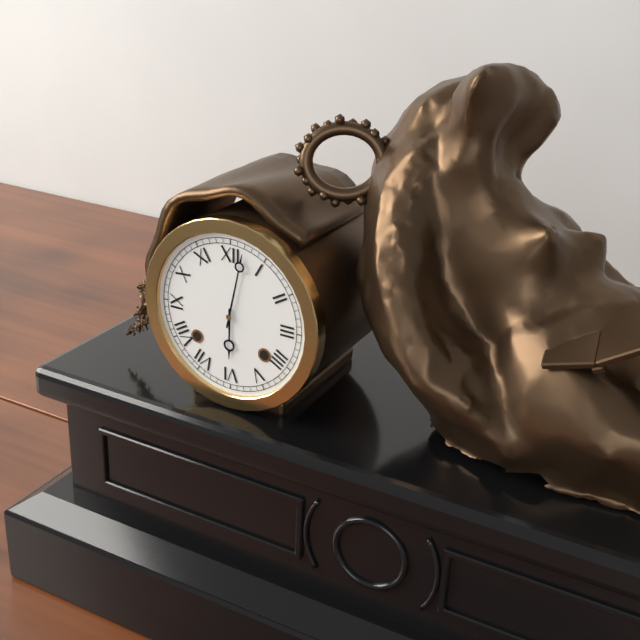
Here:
6 h 02 min
